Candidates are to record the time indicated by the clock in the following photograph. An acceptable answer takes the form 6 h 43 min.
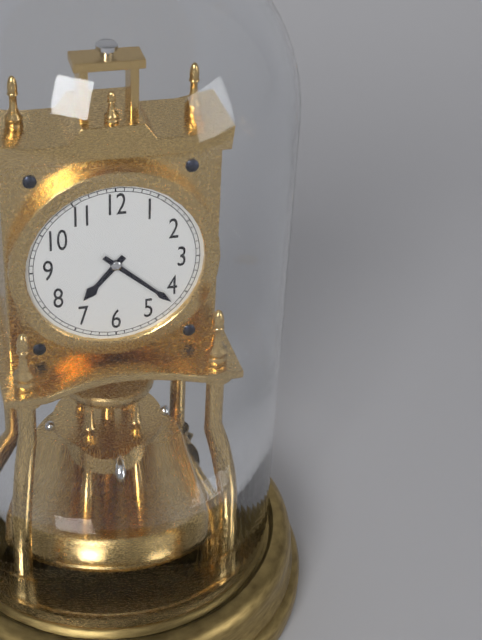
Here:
7 h 22 min
